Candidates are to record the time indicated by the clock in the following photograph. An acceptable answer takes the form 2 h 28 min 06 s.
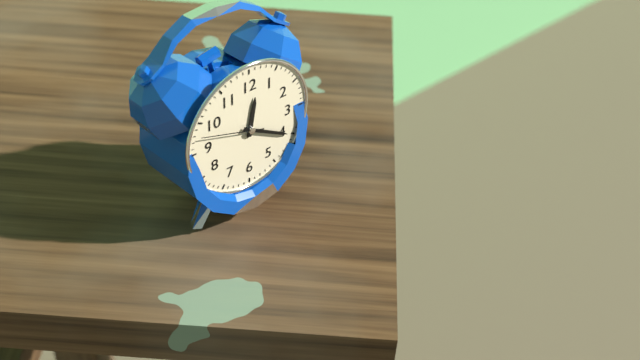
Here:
12 h 20 min 48 s
